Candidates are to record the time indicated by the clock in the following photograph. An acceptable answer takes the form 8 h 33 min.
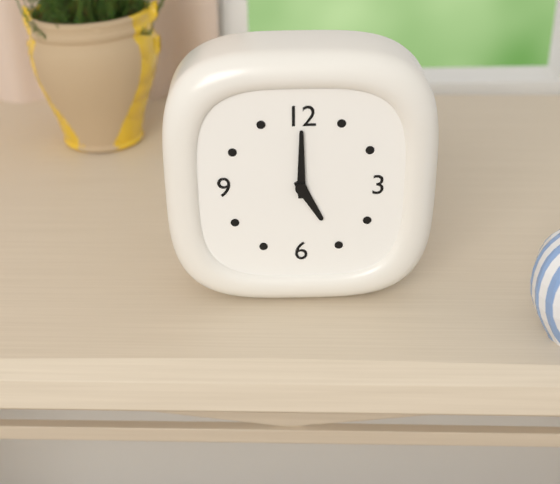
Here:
5 h 00 min
